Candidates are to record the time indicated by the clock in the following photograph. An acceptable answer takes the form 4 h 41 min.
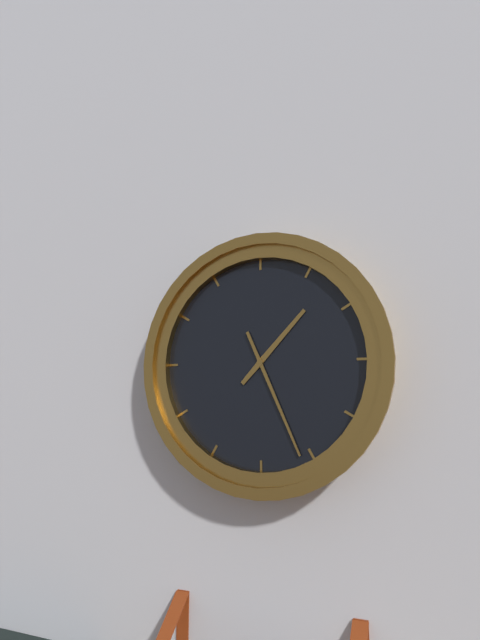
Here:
1 h 26 min
